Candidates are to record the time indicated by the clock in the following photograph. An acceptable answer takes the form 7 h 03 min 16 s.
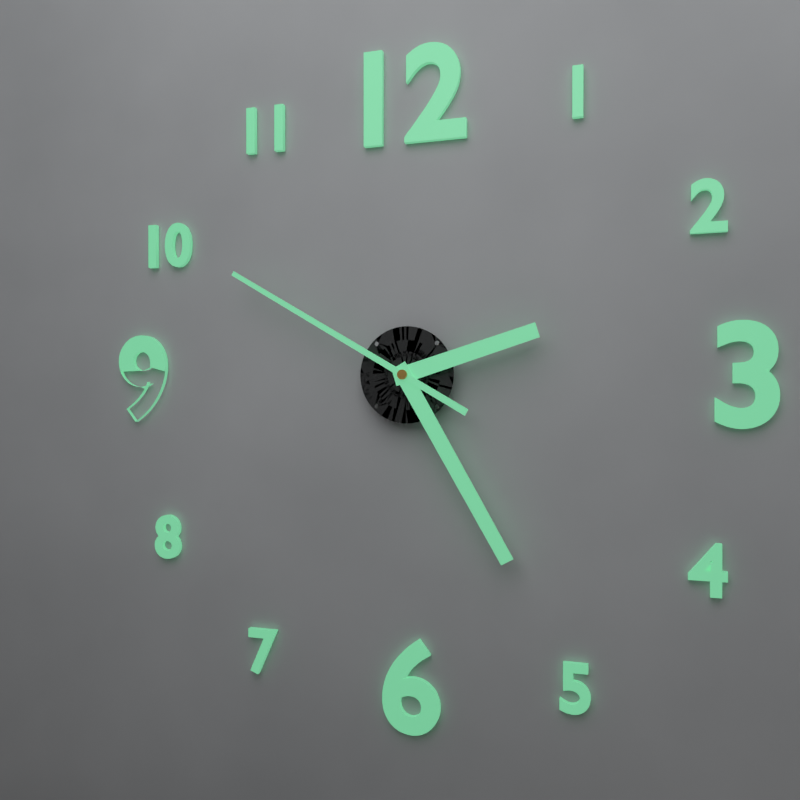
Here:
2 h 25 min 50 s
